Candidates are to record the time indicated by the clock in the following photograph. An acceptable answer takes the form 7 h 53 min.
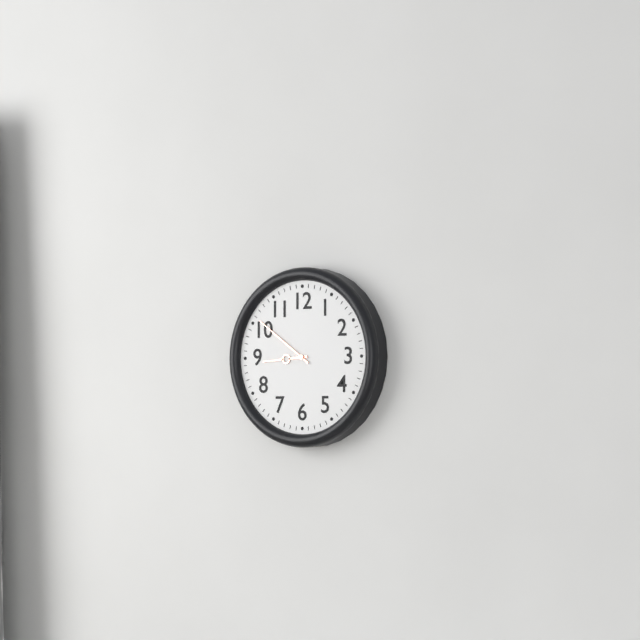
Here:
8 h 51 min
